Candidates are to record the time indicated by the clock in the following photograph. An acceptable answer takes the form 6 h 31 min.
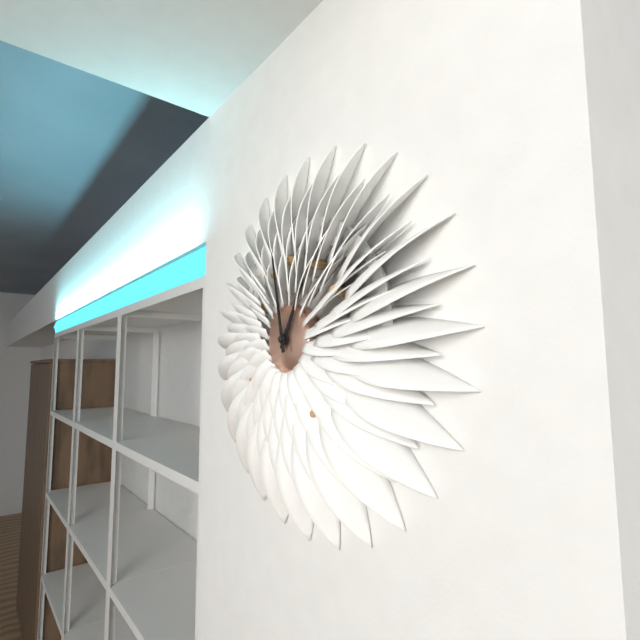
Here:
12 h 58 min
